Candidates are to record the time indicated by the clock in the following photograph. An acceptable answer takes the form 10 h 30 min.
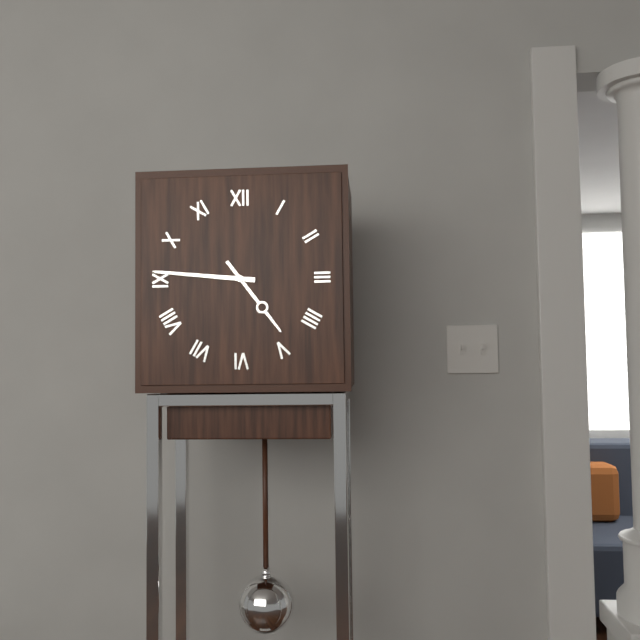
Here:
4 h 46 min
